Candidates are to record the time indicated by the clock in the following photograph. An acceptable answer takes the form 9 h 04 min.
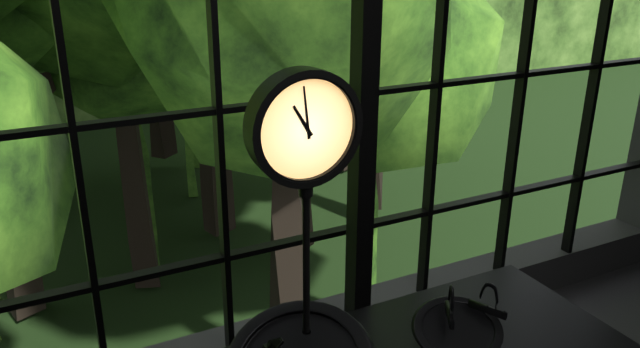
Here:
10 h 59 min
